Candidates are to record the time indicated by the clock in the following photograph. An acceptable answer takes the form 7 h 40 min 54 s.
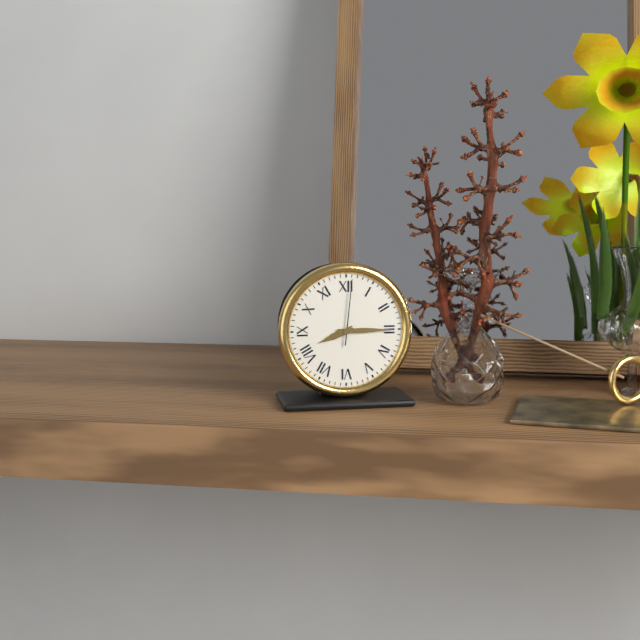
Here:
8 h 15 min 01 s
